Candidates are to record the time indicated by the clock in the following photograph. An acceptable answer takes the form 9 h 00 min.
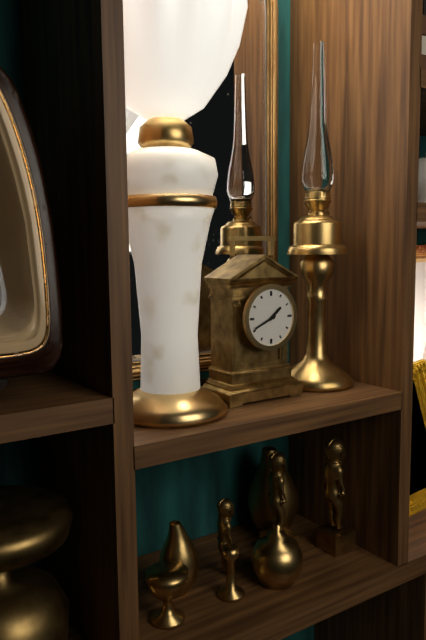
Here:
1 h 41 min
